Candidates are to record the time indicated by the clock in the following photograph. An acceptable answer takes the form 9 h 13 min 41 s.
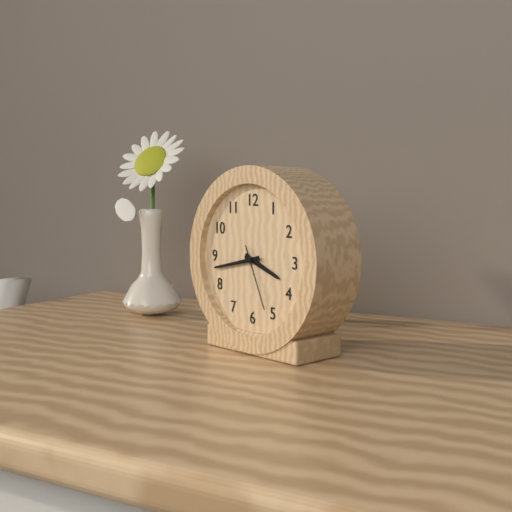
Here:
3 h 43 min 26 s
